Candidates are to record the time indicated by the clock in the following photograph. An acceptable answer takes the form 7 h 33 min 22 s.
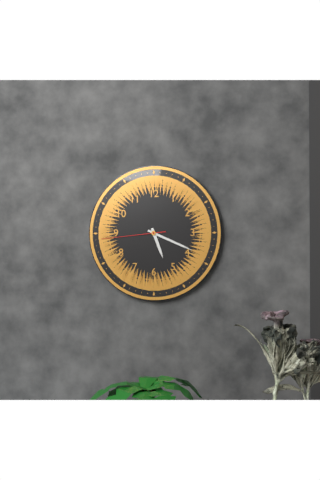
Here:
5 h 19 min 44 s
